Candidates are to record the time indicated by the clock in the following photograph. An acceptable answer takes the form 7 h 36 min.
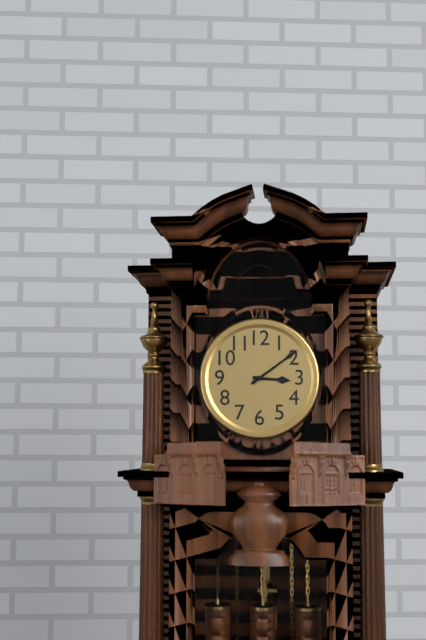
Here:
3 h 09 min
